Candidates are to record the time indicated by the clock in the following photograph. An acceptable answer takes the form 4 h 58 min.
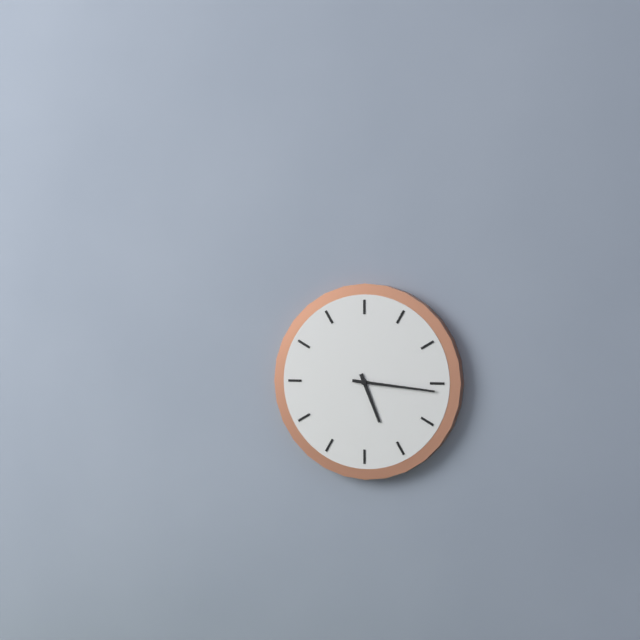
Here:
5 h 16 min
